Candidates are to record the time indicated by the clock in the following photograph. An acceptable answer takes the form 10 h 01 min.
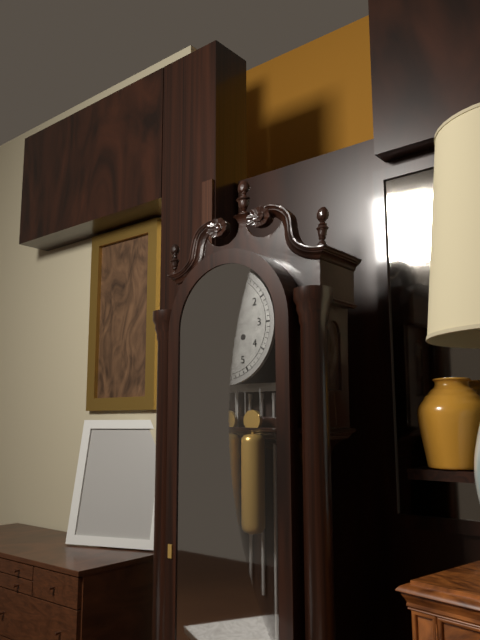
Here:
7 h 32 min
